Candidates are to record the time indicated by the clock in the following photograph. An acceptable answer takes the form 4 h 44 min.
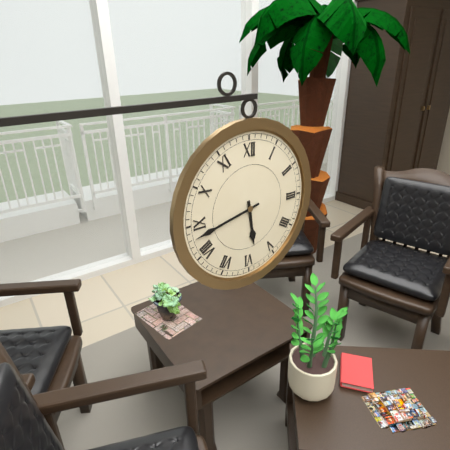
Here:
5 h 43 min
